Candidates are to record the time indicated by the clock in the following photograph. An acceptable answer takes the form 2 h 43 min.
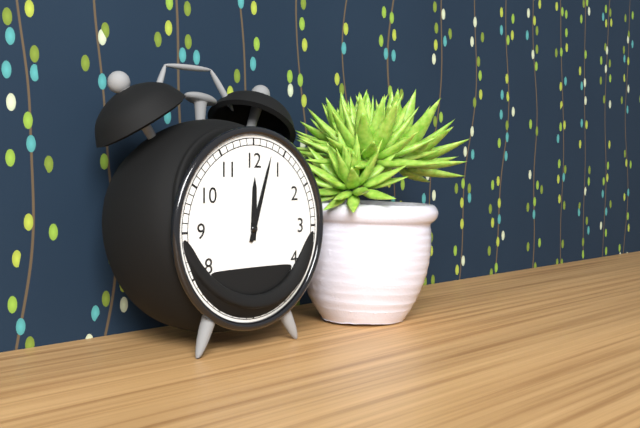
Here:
12 h 03 min
